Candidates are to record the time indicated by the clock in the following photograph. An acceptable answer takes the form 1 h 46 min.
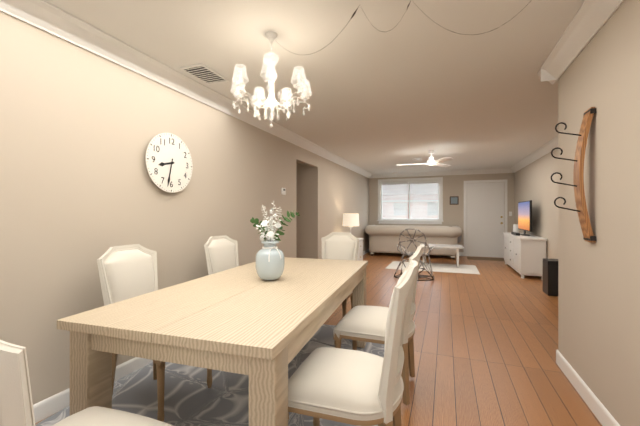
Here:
8 h 32 min
